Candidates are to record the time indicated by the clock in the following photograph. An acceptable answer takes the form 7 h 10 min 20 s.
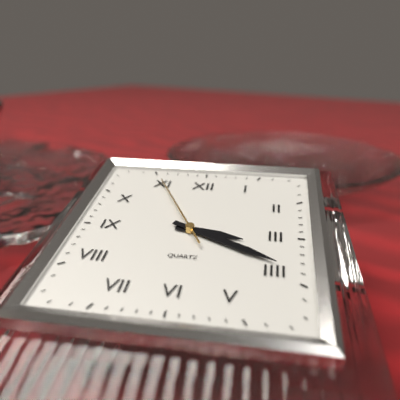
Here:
3 h 19 min 55 s
